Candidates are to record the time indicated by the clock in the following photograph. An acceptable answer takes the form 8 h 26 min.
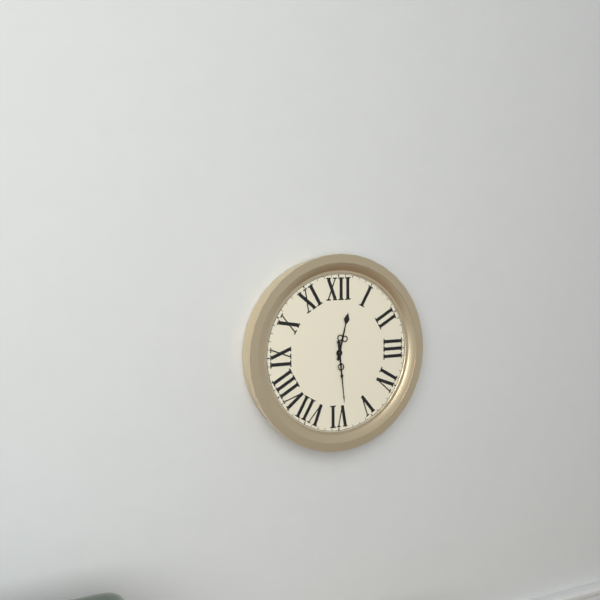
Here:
12 h 29 min
